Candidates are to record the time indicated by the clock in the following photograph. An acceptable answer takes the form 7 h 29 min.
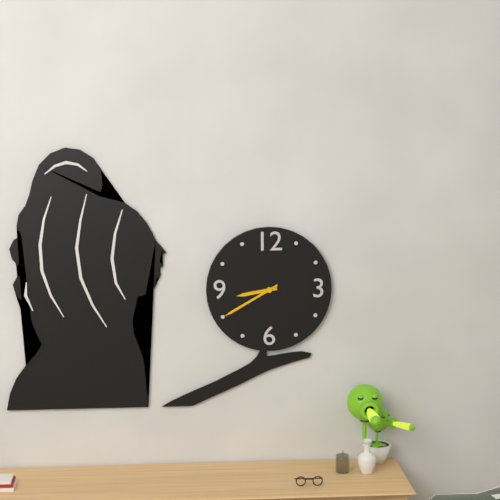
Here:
8 h 40 min
